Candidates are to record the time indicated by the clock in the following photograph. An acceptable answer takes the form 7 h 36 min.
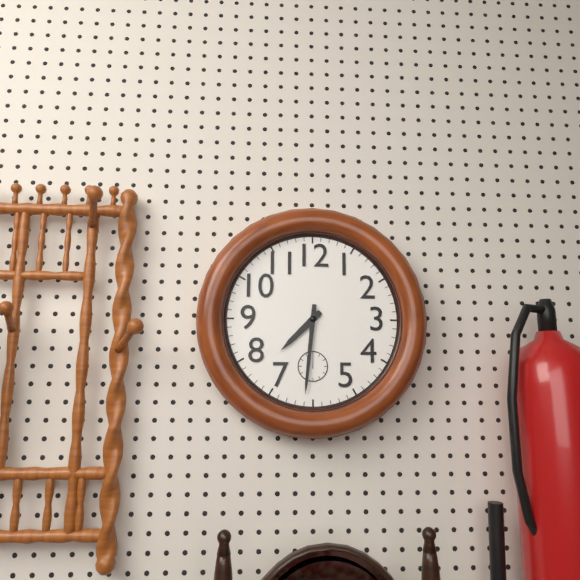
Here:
7 h 31 min
